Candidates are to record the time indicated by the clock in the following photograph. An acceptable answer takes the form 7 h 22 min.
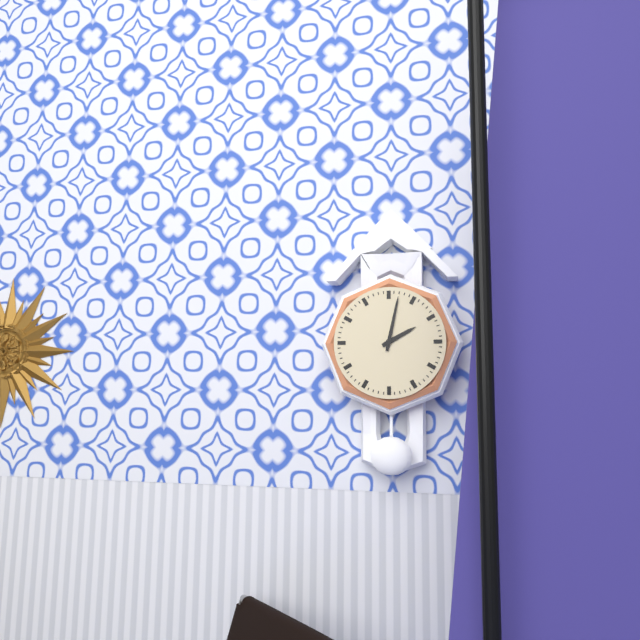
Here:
2 h 02 min
